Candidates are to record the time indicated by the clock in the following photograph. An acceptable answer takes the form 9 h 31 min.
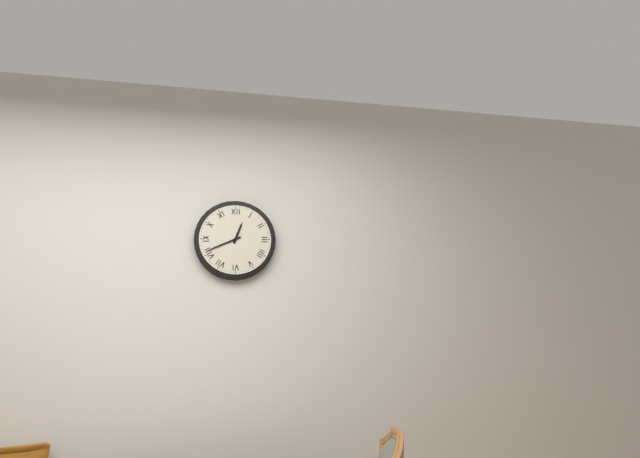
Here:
12 h 41 min
